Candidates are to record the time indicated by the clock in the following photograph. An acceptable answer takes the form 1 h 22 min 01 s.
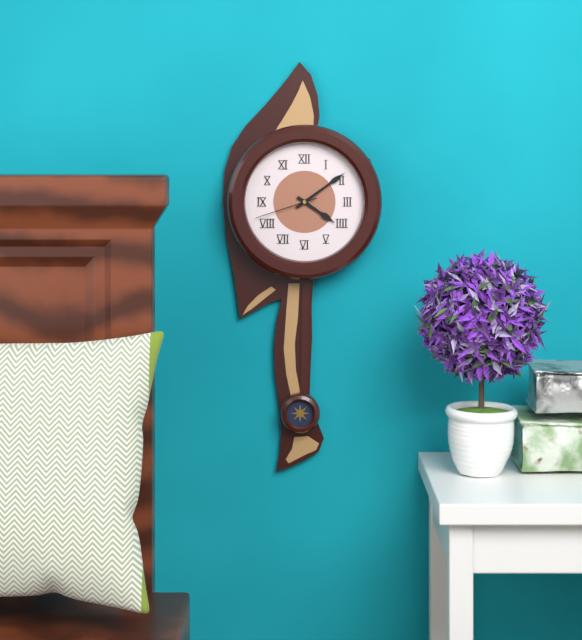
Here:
4 h 09 min 42 s
